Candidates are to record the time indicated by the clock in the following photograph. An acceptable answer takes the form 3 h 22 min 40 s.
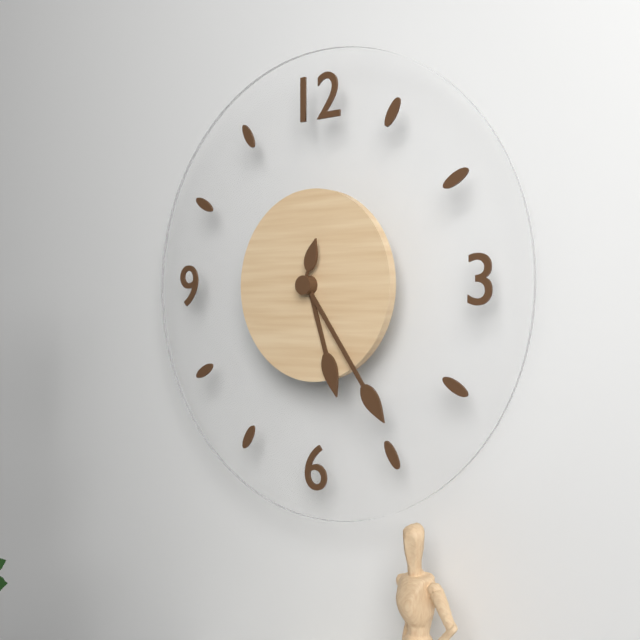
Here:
5 h 24 min 03 s
